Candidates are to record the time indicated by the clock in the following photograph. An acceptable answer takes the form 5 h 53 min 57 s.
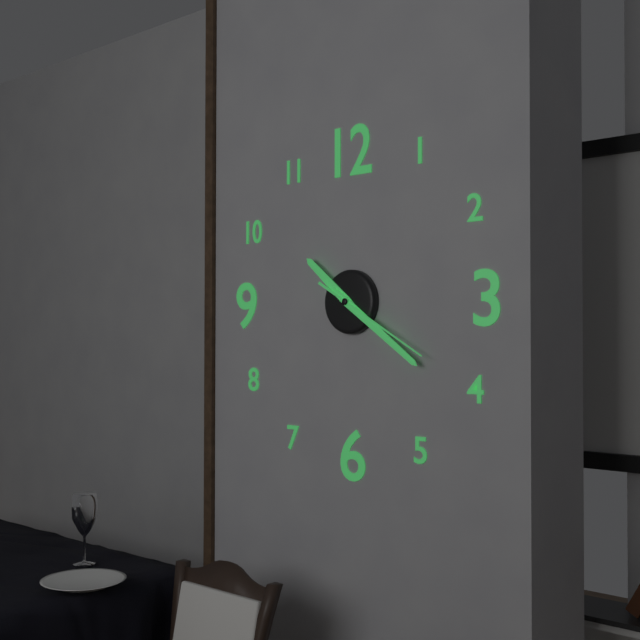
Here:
10 h 21 min 20 s
